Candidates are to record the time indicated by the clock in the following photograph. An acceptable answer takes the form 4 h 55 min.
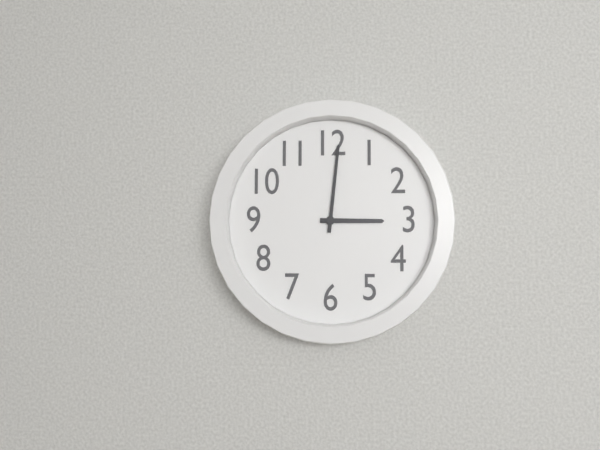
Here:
3 h 01 min
